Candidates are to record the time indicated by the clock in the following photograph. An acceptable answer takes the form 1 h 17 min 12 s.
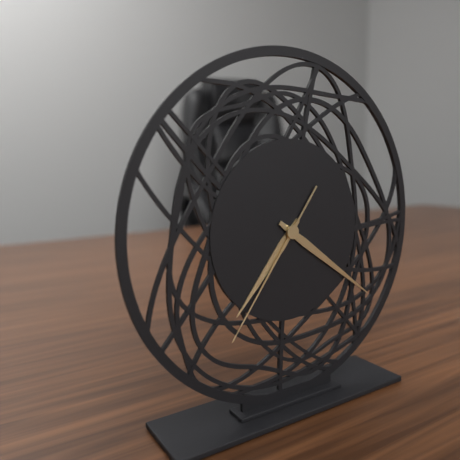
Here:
7 h 21 min 36 s
